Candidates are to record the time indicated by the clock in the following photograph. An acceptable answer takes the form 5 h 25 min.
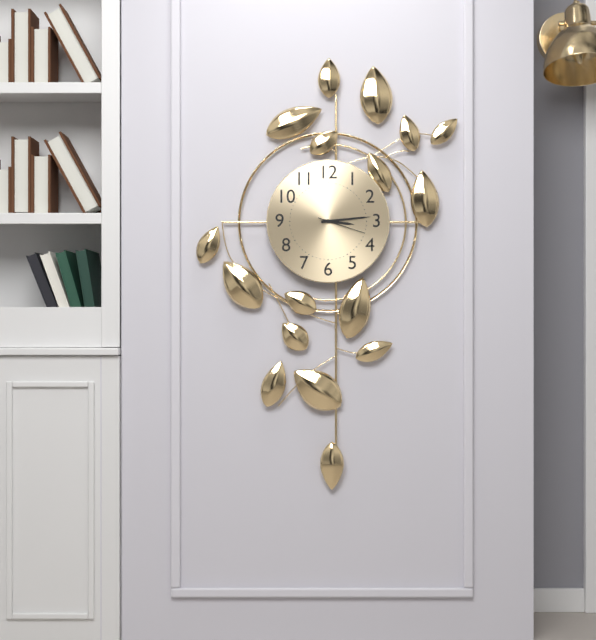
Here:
3 h 14 min
